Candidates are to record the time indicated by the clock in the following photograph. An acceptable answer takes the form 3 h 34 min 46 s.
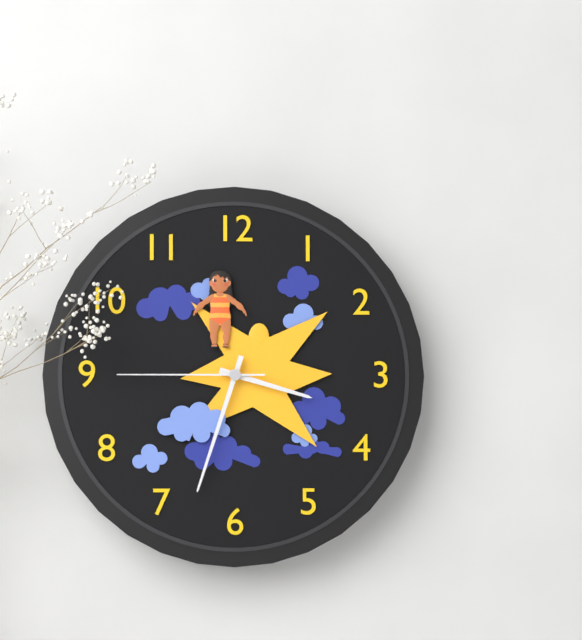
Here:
3 h 33 min 45 s
